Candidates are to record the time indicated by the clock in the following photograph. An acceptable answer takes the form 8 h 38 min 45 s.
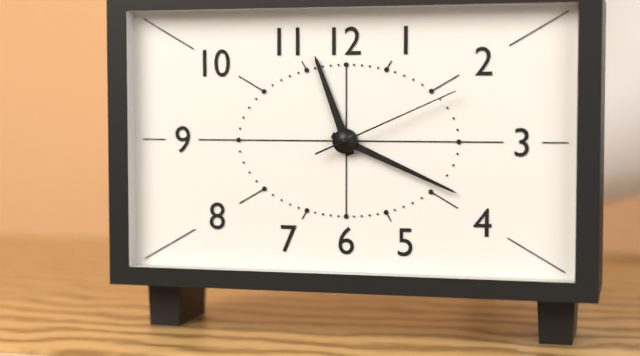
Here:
11 h 19 min 11 s
